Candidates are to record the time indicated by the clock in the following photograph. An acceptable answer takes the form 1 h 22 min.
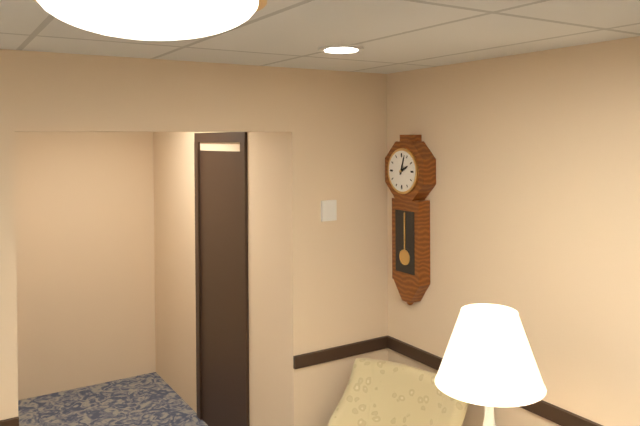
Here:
2 h 03 min
